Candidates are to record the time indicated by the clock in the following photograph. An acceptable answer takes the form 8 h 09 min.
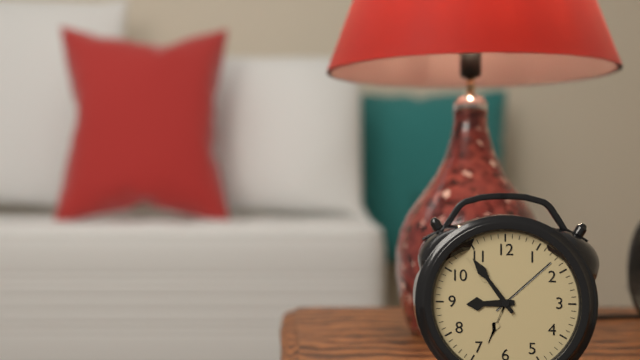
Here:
8 h 54 min
